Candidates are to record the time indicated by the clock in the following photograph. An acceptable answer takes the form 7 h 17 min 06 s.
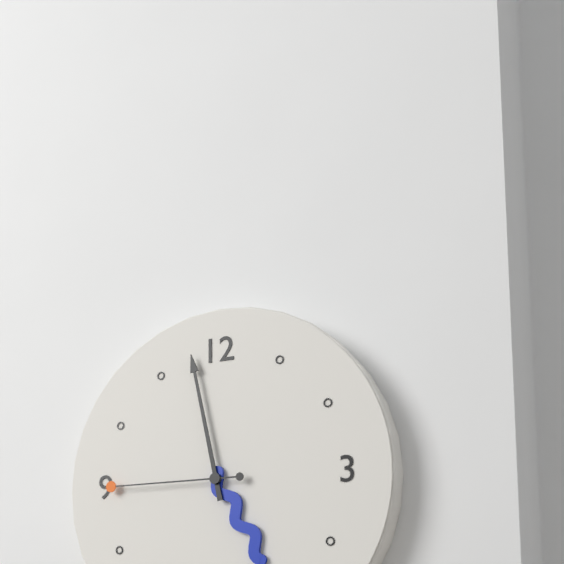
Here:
4 h 58 min 45 s
